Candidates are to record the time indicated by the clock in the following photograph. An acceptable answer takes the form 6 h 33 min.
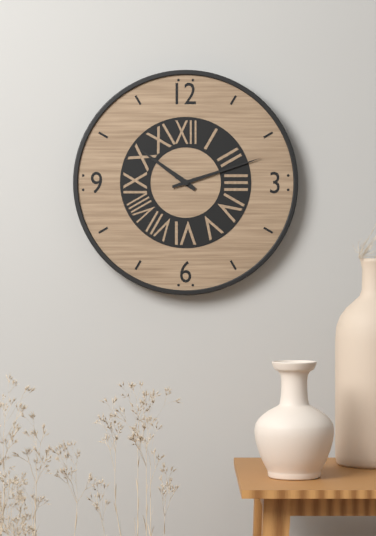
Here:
10 h 12 min
